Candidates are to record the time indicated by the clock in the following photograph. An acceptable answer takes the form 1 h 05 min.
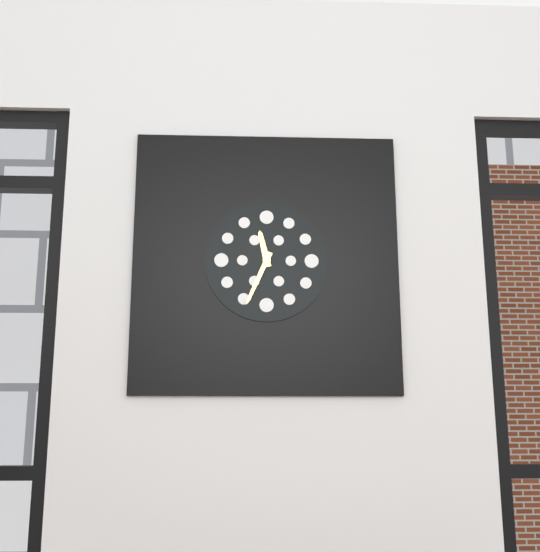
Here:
11 h 34 min
